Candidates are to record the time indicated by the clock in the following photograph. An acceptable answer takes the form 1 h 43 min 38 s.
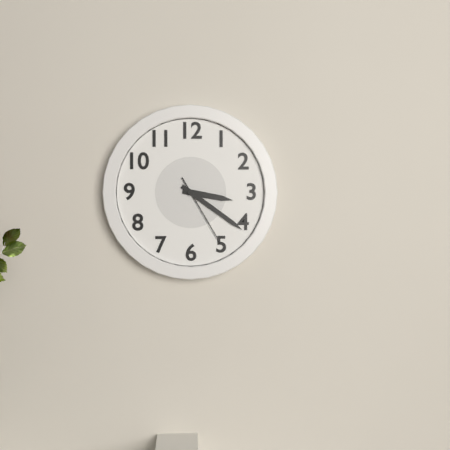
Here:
3 h 21 min 25 s
